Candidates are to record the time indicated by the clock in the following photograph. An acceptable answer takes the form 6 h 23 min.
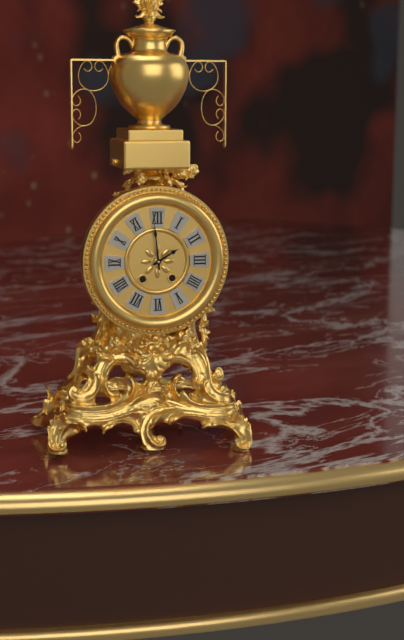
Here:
1 h 59 min
